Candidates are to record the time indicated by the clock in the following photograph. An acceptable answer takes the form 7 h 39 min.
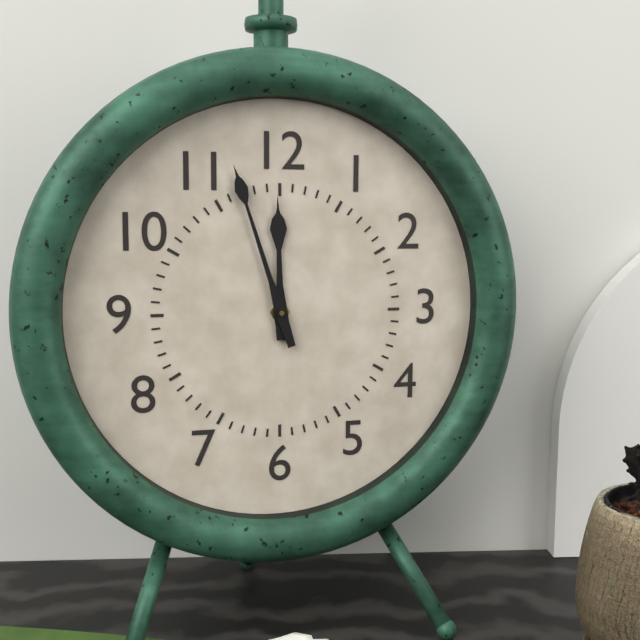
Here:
11 h 57 min
